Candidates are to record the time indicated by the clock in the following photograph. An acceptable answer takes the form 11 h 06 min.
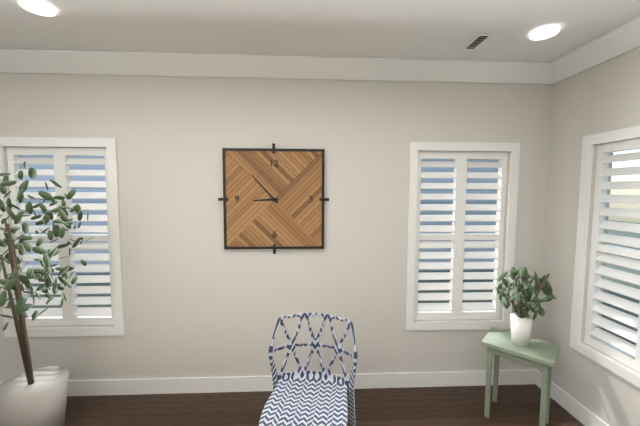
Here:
8 h 53 min
